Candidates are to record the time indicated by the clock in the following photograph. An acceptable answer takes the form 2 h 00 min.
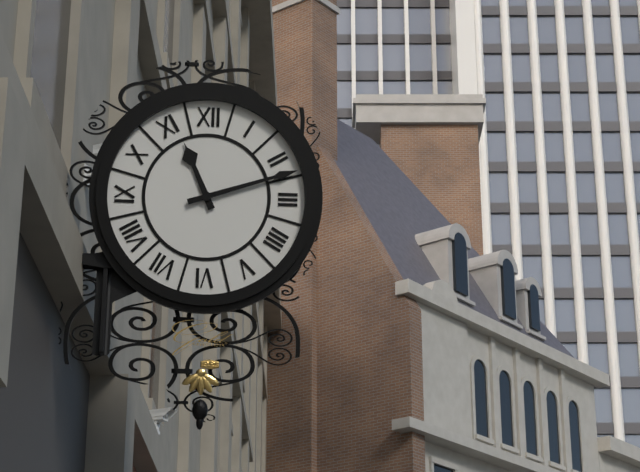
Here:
11 h 12 min
